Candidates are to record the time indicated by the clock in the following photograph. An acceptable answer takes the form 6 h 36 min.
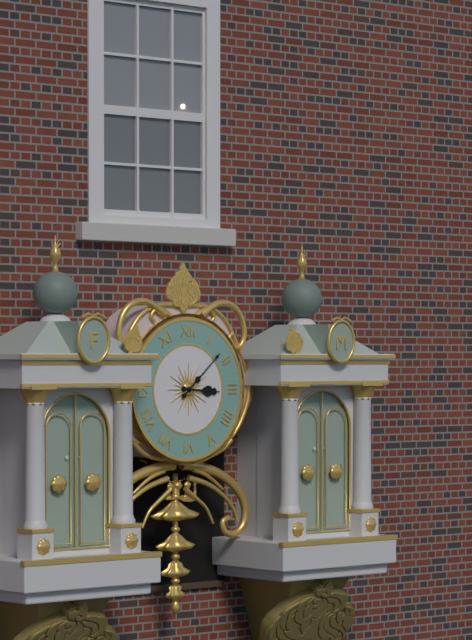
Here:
3 h 08 min
